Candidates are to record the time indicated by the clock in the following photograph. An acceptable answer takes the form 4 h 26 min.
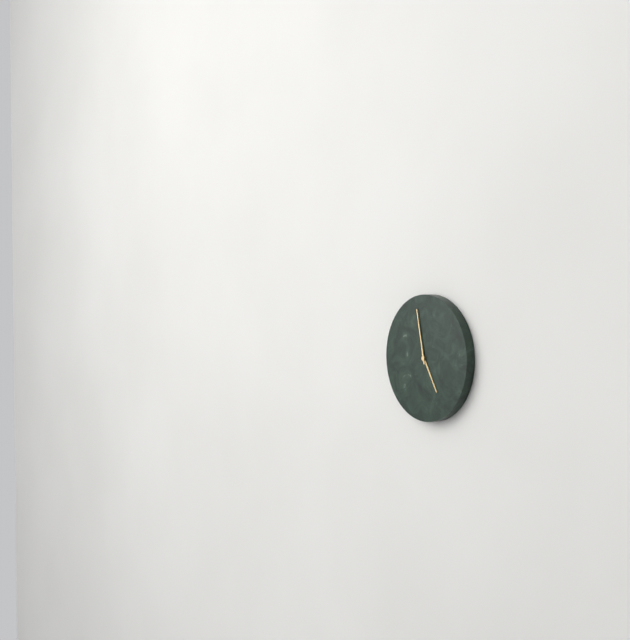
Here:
4 h 58 min
